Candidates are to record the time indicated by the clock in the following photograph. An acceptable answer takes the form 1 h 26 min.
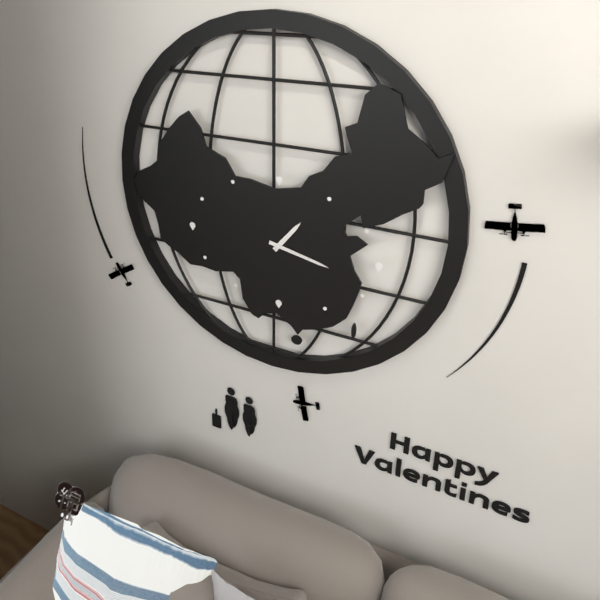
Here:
1 h 17 min
